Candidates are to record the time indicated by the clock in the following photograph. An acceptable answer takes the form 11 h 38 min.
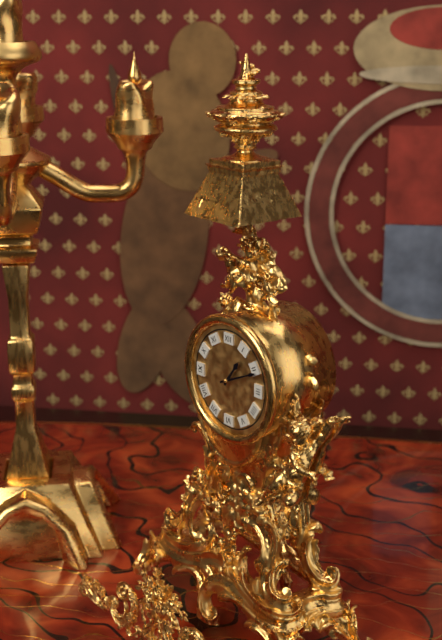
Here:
1 h 11 min
